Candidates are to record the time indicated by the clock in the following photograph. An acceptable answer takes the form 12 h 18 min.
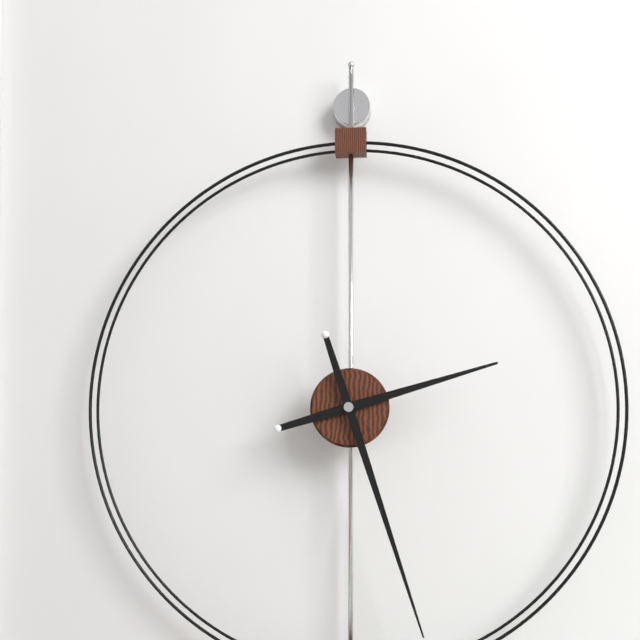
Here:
2 h 27 min
